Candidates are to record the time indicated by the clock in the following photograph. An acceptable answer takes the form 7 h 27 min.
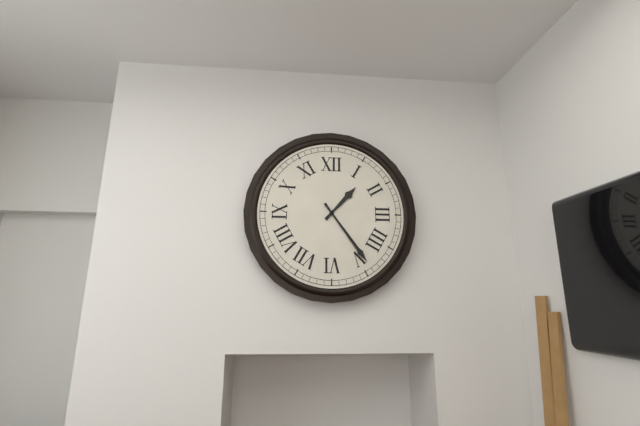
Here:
1 h 24 min
